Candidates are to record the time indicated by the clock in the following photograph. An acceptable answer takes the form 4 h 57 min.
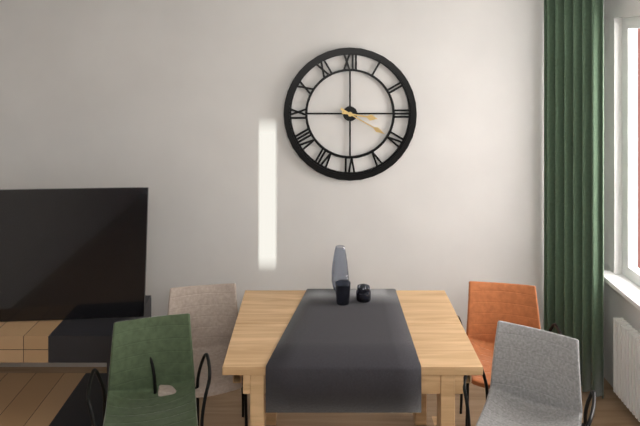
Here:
3 h 20 min
